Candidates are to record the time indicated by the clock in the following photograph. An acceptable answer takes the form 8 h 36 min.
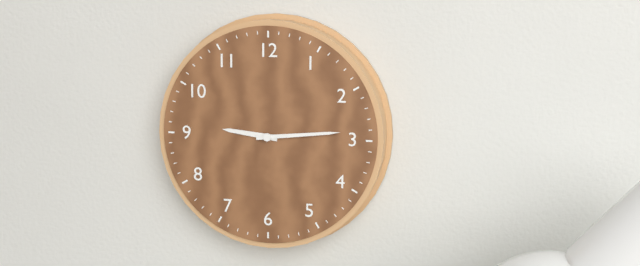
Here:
9 h 14 min
